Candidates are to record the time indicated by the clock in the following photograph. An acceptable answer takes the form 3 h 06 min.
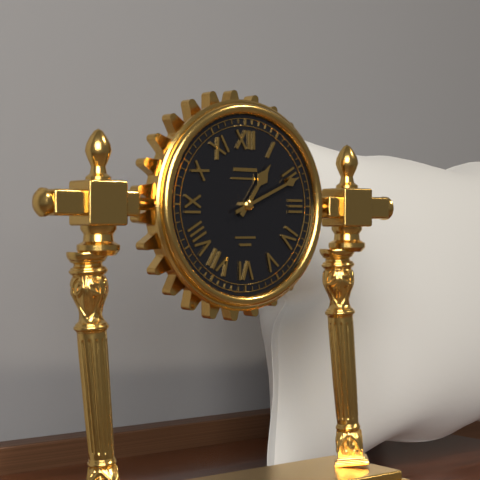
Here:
1 h 11 min
